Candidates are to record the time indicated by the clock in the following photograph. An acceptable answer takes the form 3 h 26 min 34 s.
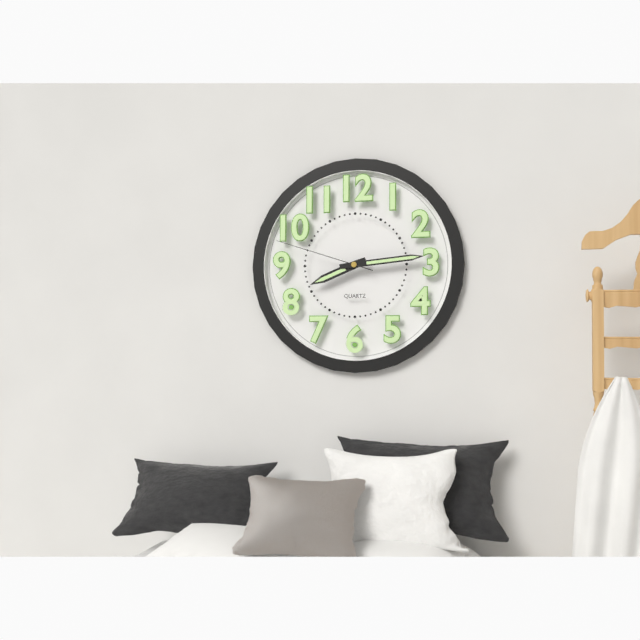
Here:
8 h 14 min 48 s
